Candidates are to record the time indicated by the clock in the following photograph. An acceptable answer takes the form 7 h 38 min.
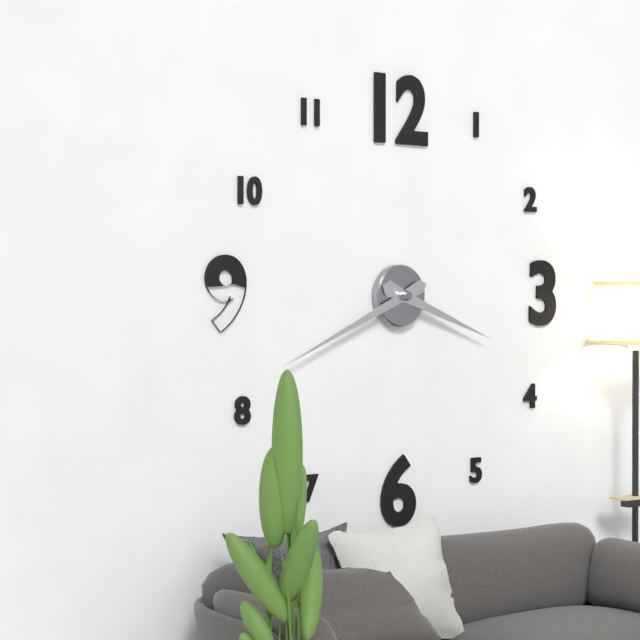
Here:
3 h 41 min
